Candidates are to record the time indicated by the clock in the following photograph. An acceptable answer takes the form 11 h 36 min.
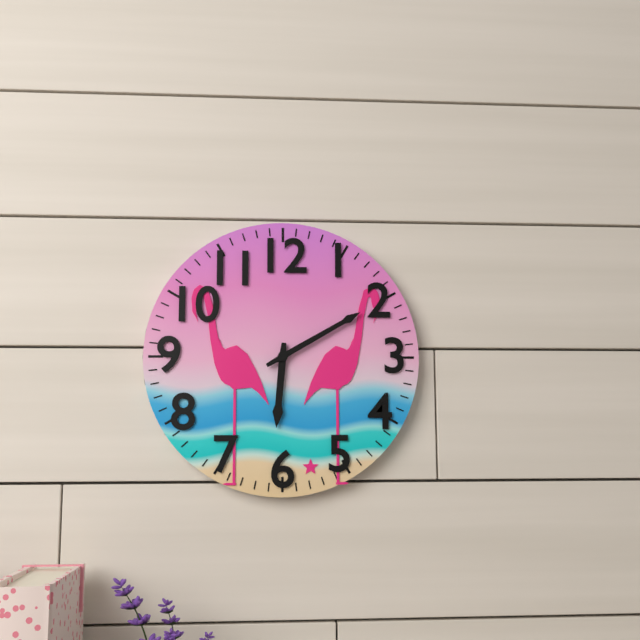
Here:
6 h 10 min
